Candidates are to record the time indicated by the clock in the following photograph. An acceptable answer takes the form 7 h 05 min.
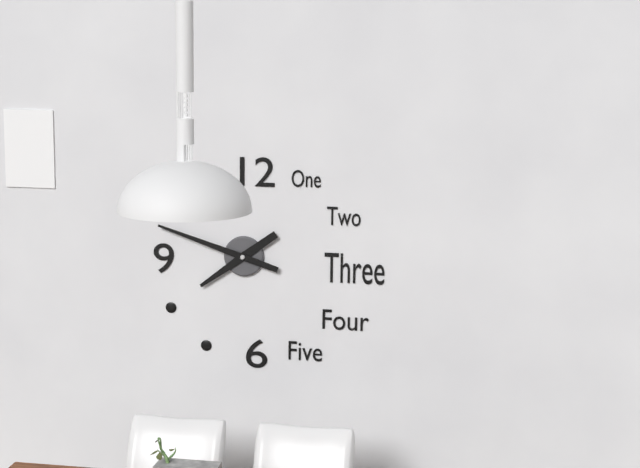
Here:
7 h 48 min
